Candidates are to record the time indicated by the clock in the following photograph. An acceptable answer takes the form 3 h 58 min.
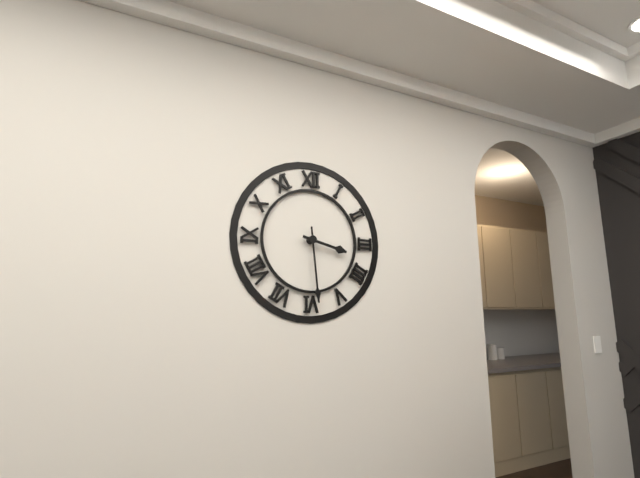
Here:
3 h 29 min
